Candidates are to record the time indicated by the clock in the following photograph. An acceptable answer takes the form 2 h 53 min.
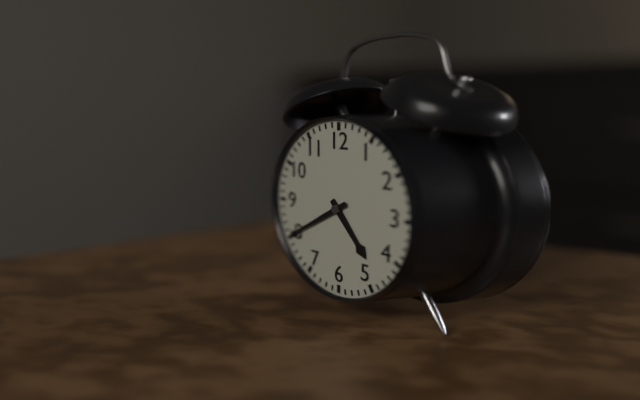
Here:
4 h 40 min
